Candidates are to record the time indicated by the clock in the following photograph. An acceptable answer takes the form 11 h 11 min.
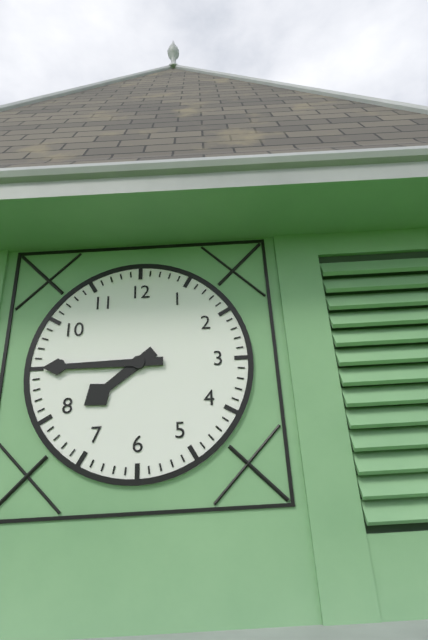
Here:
7 h 45 min
